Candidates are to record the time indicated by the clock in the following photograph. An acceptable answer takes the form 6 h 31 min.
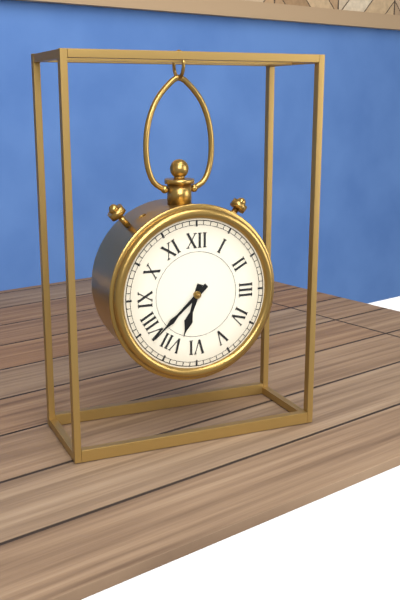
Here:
6 h 38 min
